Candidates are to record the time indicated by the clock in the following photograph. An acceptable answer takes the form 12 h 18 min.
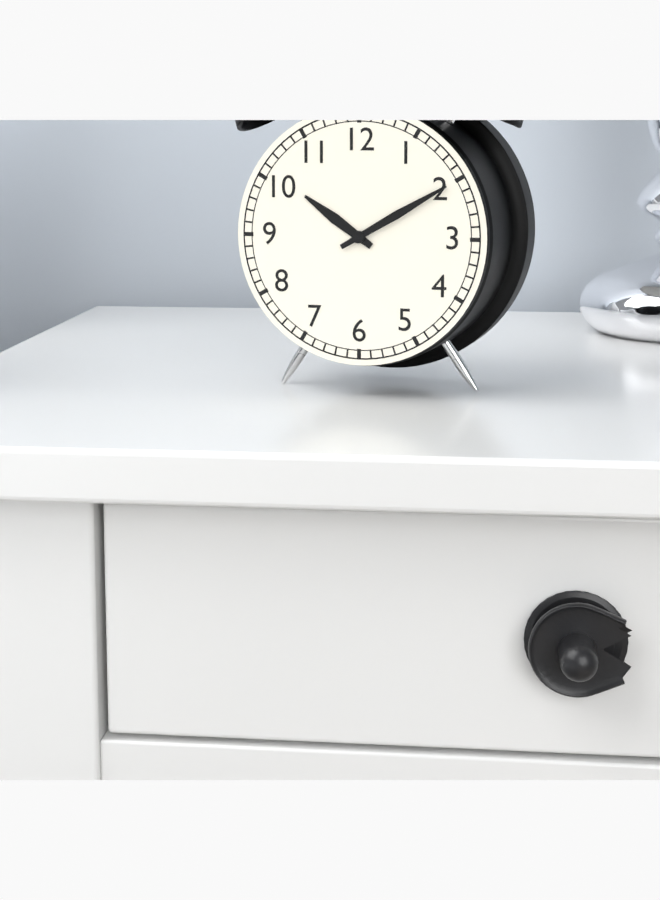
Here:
10 h 10 min
